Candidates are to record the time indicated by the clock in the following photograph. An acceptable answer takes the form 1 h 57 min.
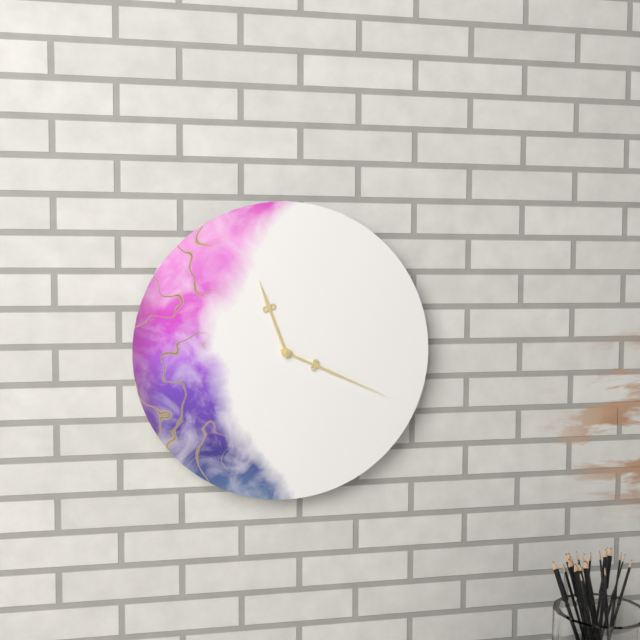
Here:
11 h 19 min
